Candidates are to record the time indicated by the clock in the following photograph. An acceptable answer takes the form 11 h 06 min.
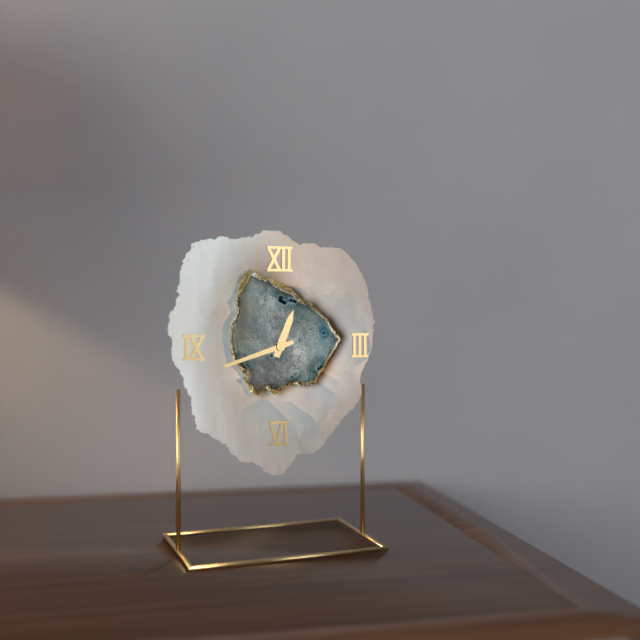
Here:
12 h 42 min
